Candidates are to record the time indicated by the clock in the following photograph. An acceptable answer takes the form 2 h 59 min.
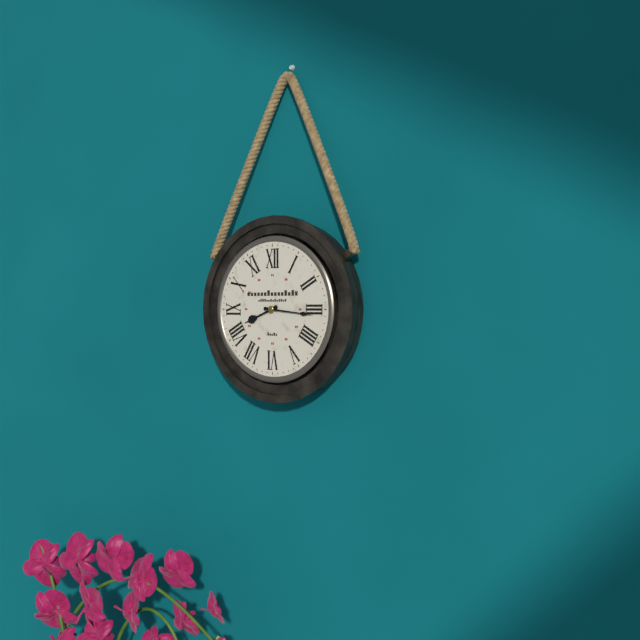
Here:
8 h 16 min
